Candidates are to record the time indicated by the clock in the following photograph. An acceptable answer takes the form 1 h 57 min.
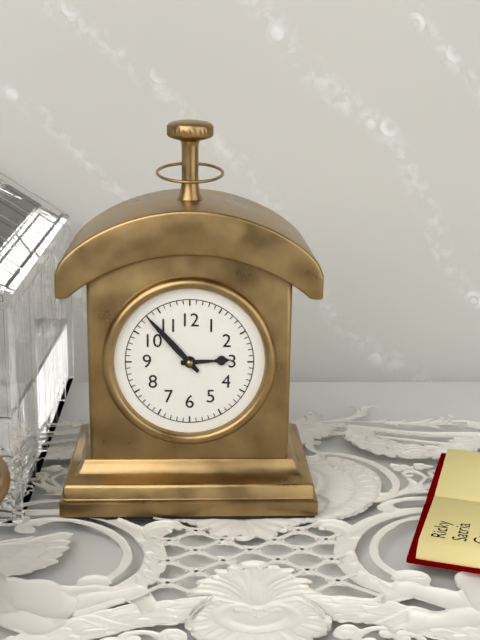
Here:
2 h 53 min
